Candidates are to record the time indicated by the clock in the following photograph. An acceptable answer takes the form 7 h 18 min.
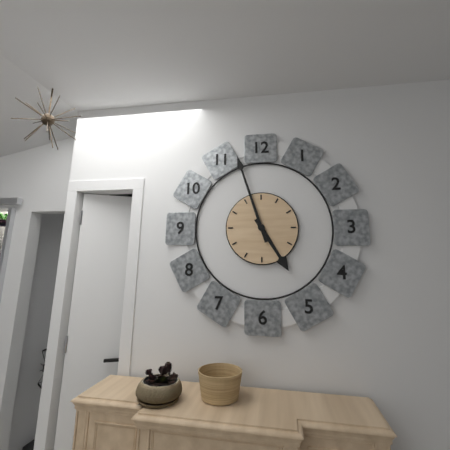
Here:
4 h 57 min
